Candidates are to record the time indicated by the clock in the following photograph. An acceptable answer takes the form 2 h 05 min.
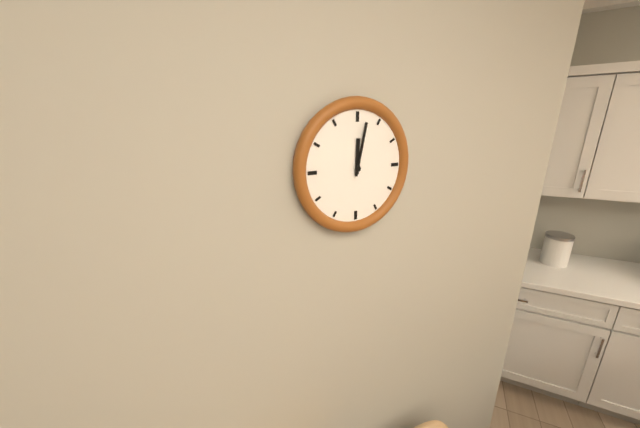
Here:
12 h 02 min
